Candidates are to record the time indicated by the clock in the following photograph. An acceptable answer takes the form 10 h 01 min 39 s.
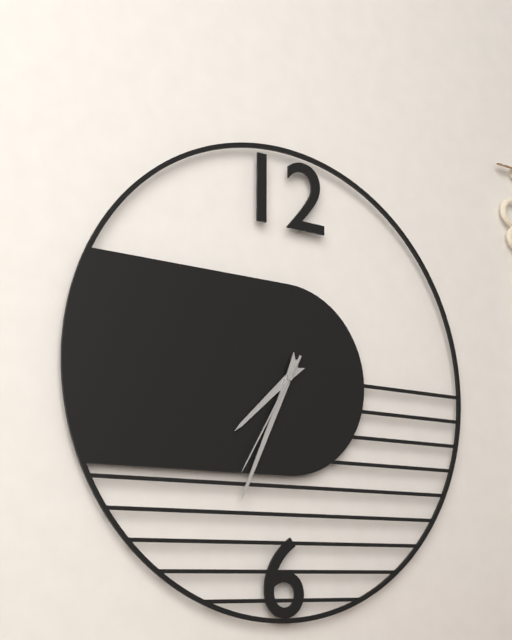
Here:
7 h 34 min 35 s
